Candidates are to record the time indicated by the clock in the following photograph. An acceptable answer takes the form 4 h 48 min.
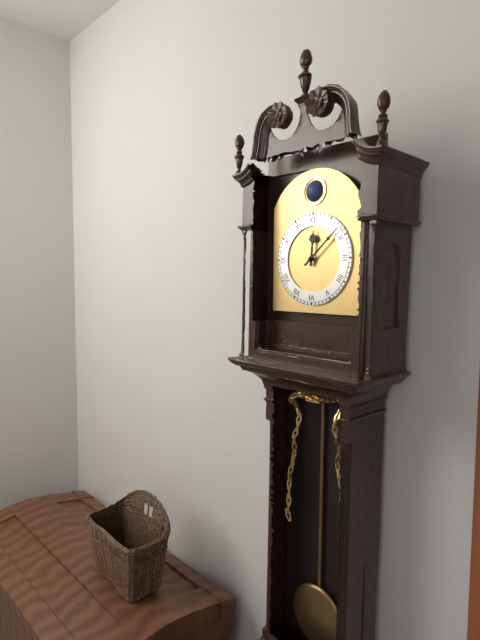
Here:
12 h 08 min
